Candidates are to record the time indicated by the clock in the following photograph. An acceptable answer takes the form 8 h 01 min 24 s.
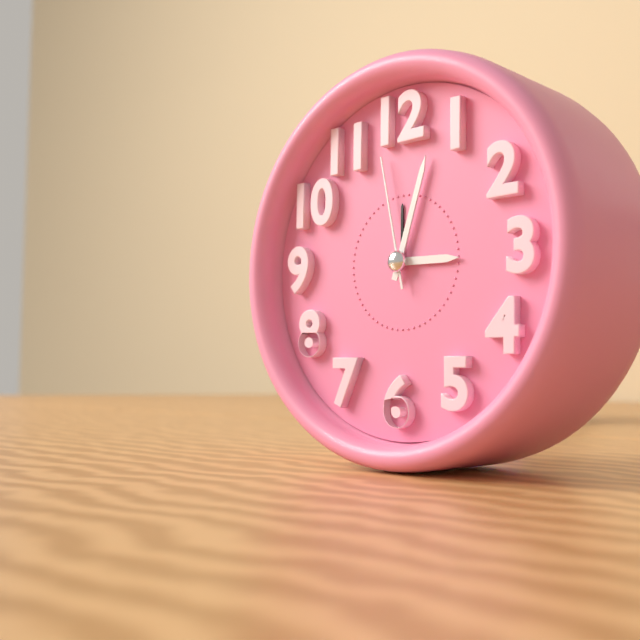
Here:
3 h 03 min 58 s
